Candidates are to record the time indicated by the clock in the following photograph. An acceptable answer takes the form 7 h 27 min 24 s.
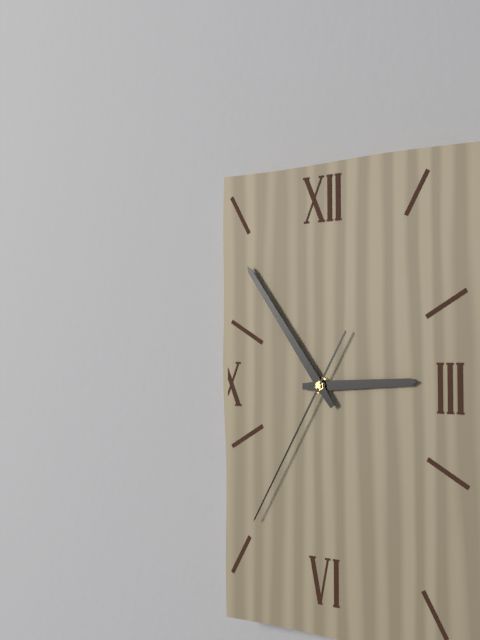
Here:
2 h 54 min 35 s
